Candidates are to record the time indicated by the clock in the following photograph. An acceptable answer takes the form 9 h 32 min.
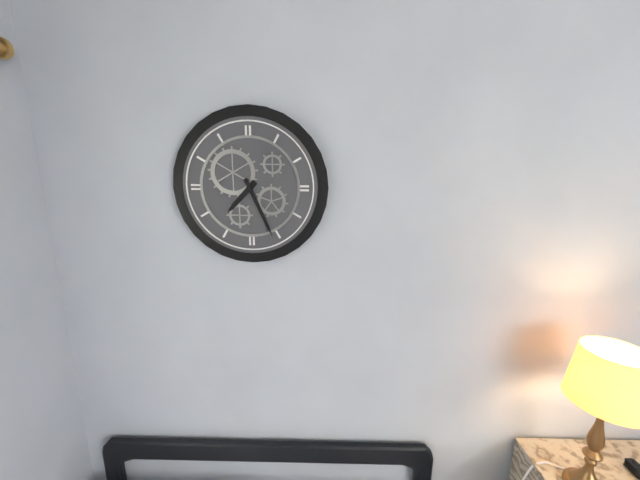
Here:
7 h 26 min
